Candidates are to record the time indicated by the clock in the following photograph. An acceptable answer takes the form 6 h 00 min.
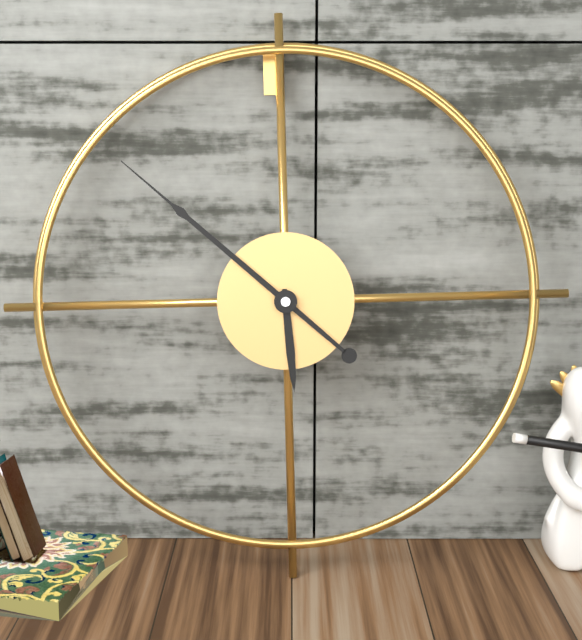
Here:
5 h 52 min
